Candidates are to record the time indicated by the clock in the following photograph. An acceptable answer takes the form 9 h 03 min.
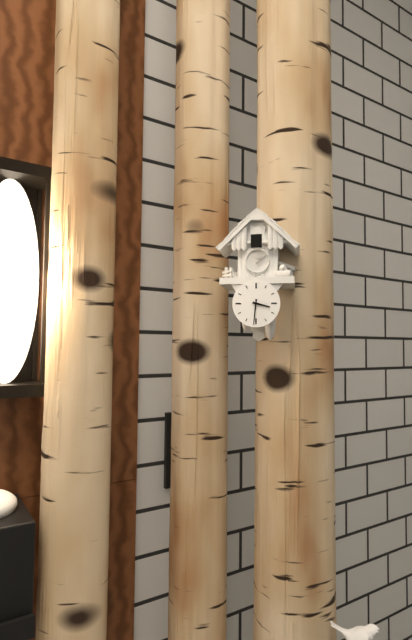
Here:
3 h 31 min
